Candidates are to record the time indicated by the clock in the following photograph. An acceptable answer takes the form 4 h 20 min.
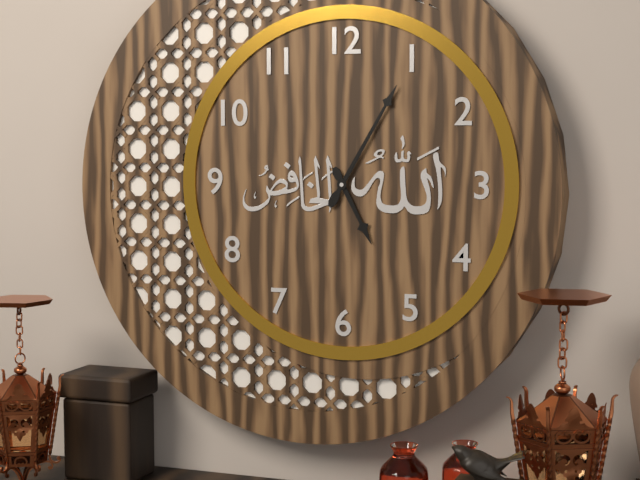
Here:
5 h 05 min
